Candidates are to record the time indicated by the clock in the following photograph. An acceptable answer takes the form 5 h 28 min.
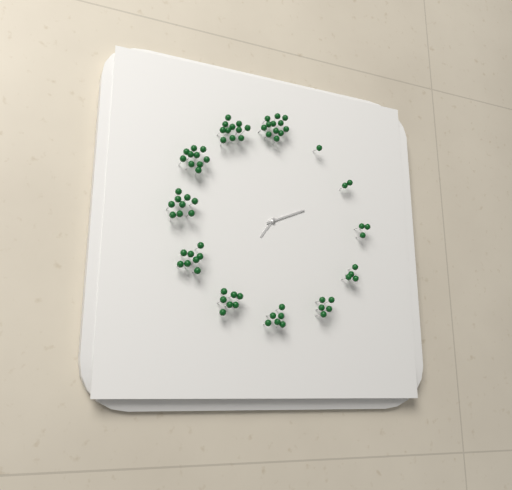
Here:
7 h 11 min
